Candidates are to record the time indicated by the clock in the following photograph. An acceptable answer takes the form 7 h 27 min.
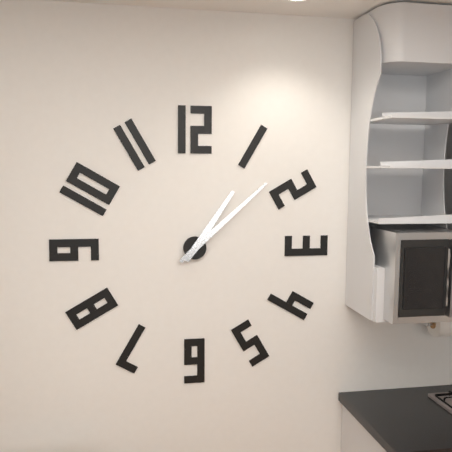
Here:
1 h 08 min
